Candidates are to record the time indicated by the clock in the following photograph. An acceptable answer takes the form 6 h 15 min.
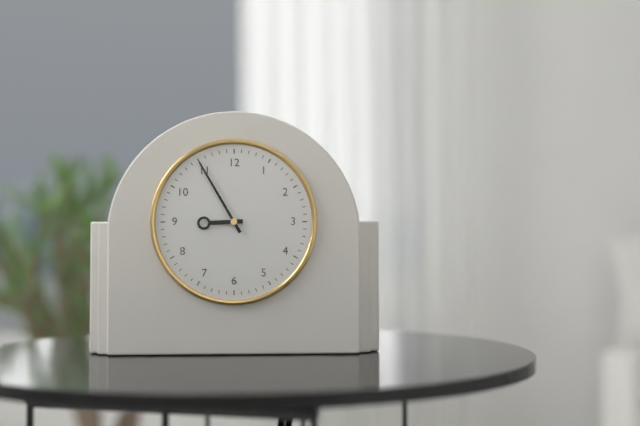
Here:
8 h 55 min
